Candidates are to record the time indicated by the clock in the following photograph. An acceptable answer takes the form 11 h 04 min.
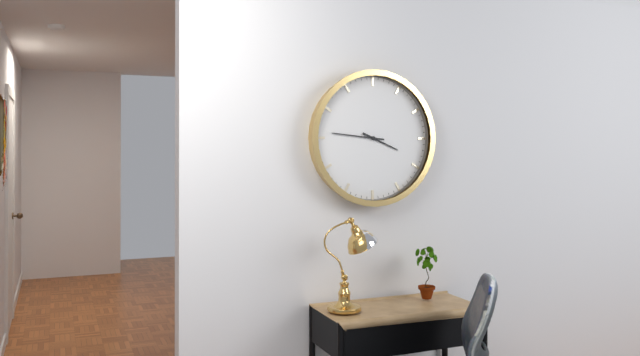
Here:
3 h 46 min
